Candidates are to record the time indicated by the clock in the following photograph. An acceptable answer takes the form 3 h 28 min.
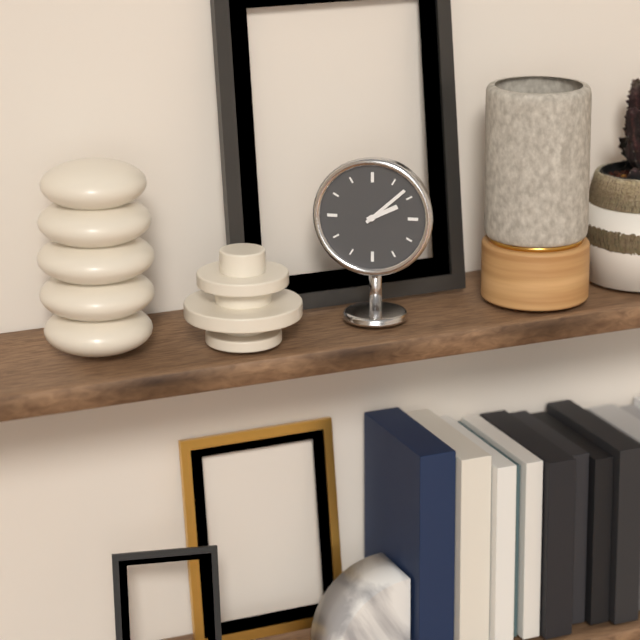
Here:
2 h 08 min
